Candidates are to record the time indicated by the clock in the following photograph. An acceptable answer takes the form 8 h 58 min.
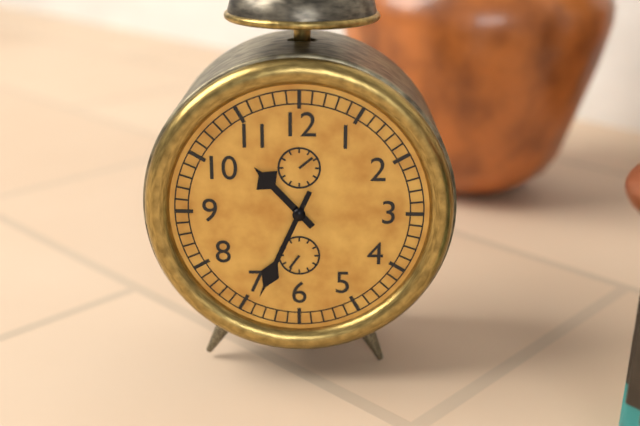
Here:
10 h 34 min
